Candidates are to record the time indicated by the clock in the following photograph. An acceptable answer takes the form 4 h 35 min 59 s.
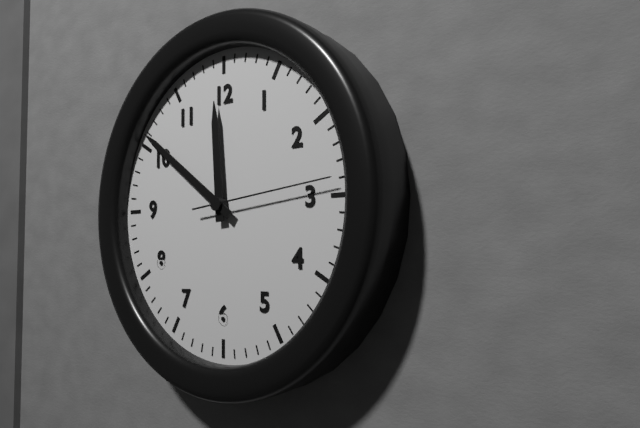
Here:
11 h 51 min 14 s
